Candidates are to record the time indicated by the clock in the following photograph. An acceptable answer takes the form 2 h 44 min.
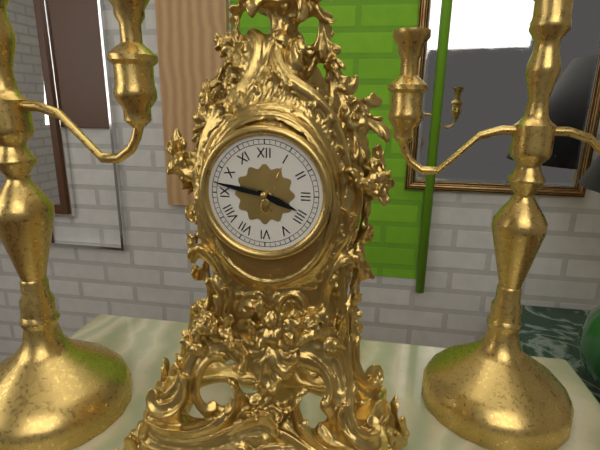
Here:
3 h 47 min
